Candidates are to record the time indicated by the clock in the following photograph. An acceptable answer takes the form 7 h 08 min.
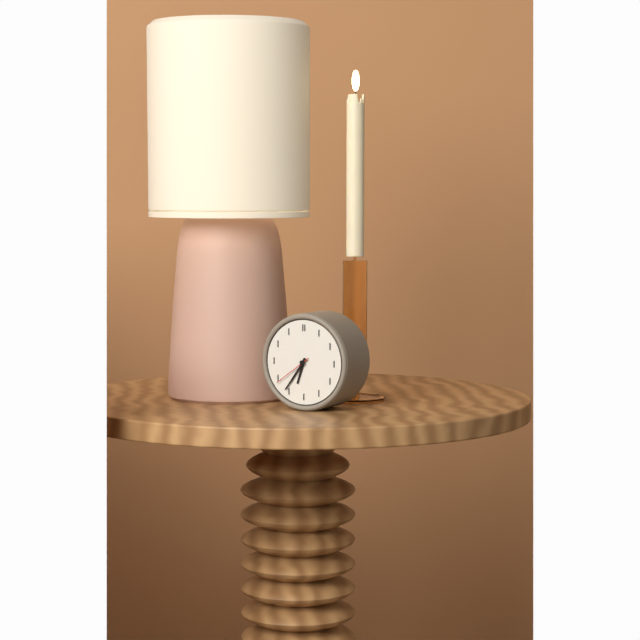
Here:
6 h 36 min
